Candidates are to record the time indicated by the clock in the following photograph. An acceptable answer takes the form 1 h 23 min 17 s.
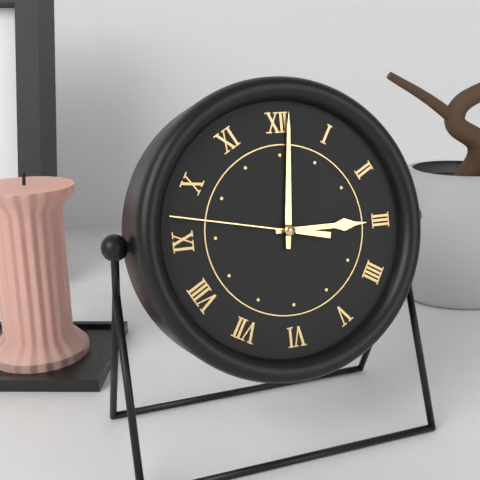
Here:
3 h 01 min 47 s
